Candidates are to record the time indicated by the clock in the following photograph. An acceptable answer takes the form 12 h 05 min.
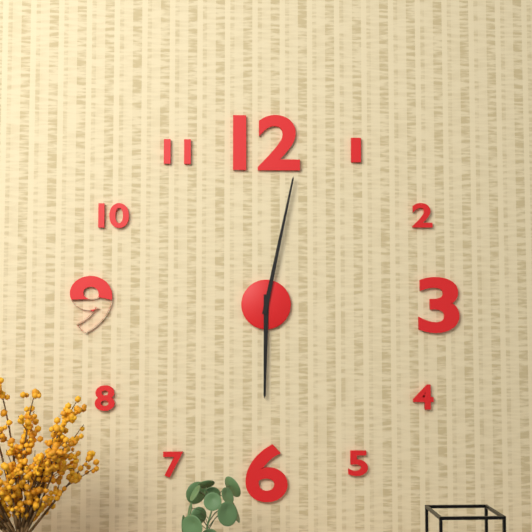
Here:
6 h 02 min
